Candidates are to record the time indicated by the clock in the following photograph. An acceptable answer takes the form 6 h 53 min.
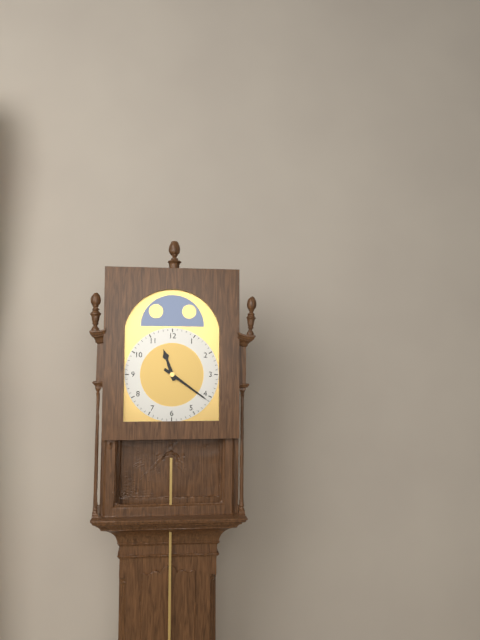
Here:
11 h 21 min
